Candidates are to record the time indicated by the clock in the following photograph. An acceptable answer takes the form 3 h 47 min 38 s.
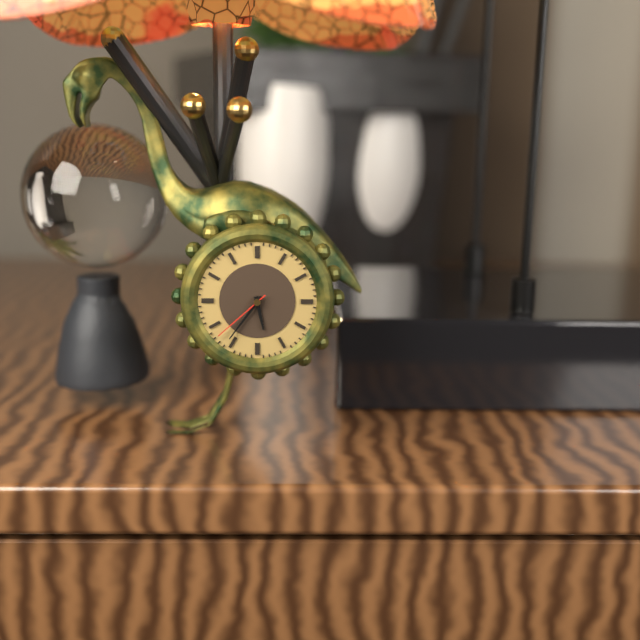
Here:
5 h 36 min 38 s
